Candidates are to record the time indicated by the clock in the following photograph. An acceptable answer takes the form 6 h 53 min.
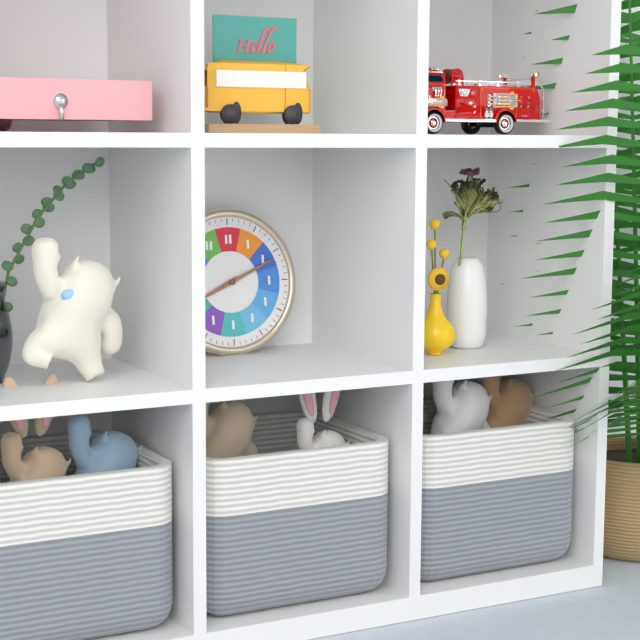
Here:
8 h 11 min
